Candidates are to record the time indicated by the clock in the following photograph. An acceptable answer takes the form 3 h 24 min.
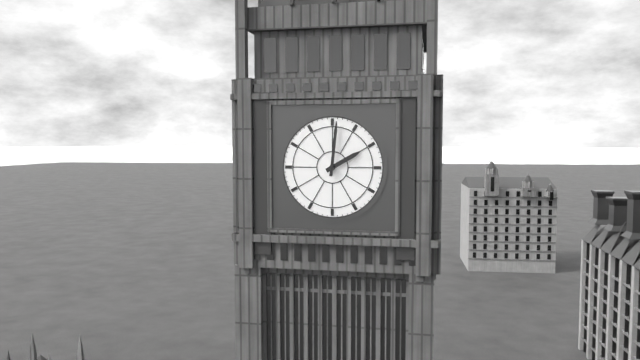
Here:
2 h 01 min
